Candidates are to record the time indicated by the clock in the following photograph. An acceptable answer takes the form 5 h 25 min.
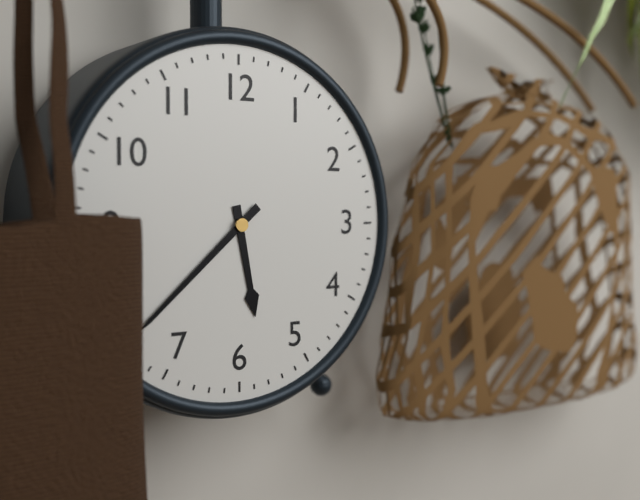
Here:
5 h 38 min
